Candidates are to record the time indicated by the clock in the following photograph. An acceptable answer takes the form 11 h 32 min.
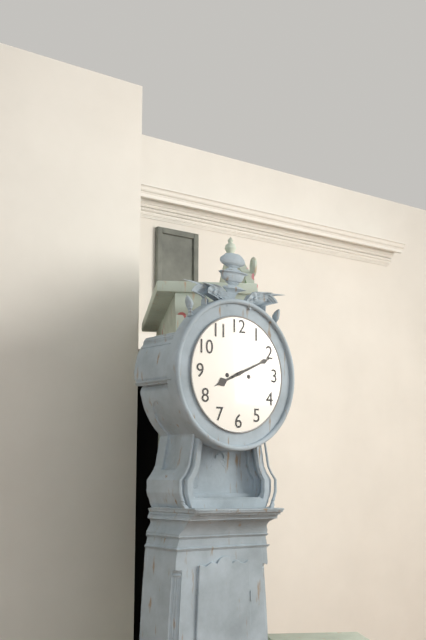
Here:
8 h 11 min
